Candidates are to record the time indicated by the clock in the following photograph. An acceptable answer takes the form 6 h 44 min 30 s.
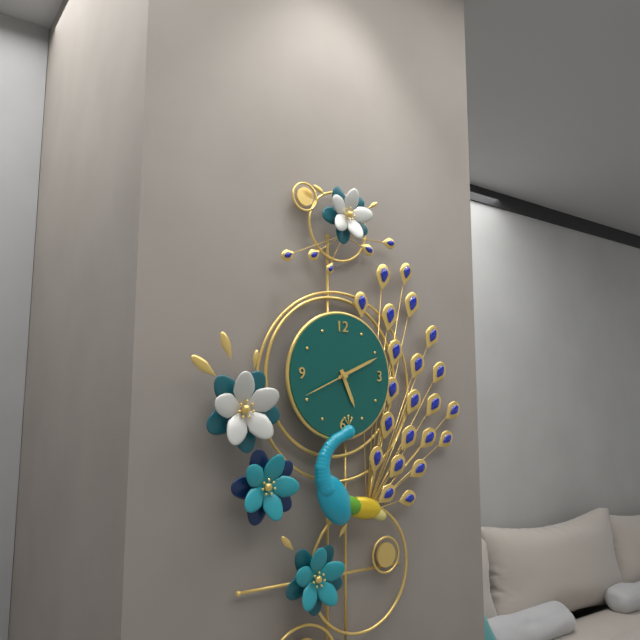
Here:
5 h 11 min 41 s
